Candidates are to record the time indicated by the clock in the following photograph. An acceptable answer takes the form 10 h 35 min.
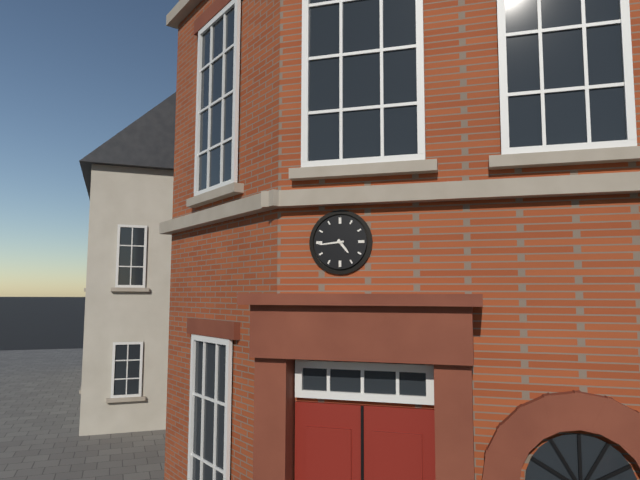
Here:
4 h 44 min
